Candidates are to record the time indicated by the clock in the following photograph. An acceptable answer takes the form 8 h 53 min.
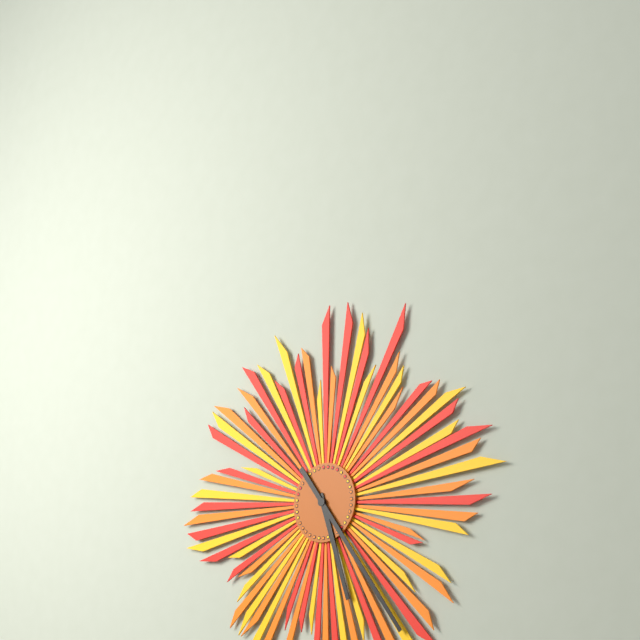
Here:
5 h 24 min
